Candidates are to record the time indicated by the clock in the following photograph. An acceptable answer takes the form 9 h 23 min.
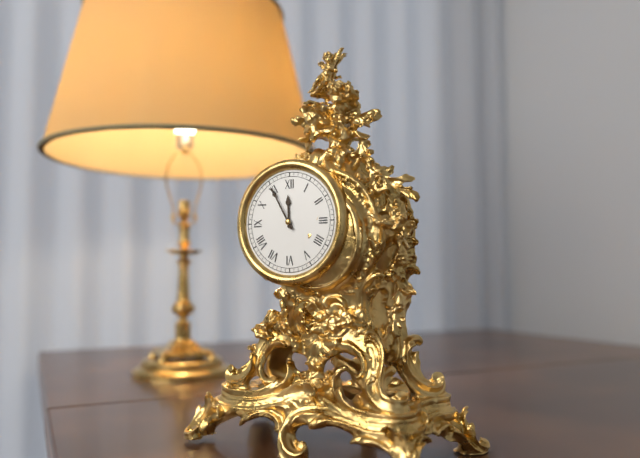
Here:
11 h 55 min
